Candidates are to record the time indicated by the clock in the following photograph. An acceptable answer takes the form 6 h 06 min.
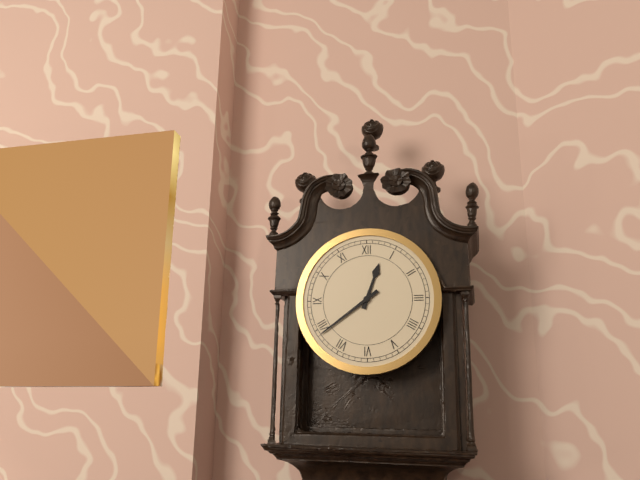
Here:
12 h 39 min
